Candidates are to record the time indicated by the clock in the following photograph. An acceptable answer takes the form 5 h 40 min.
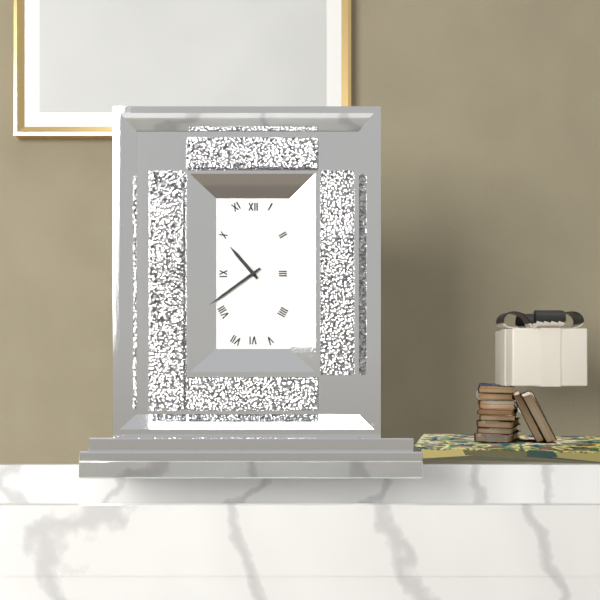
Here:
10 h 39 min
